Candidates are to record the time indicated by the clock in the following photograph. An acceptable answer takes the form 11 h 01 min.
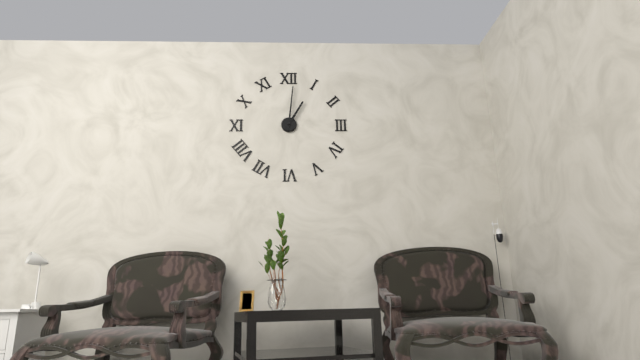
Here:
1 h 01 min
